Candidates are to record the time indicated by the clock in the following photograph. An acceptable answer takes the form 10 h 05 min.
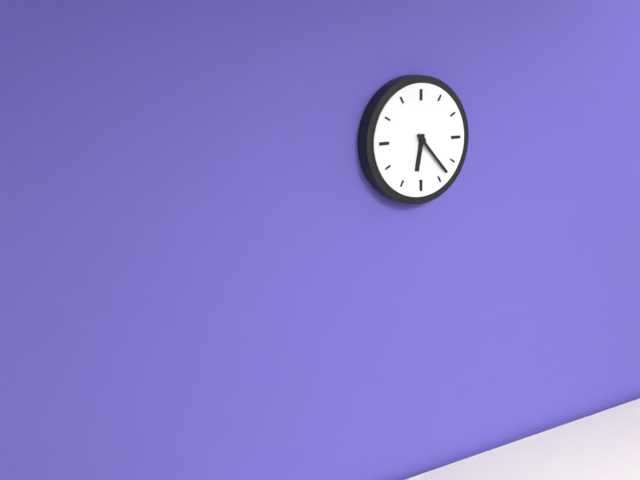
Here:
6 h 23 min
